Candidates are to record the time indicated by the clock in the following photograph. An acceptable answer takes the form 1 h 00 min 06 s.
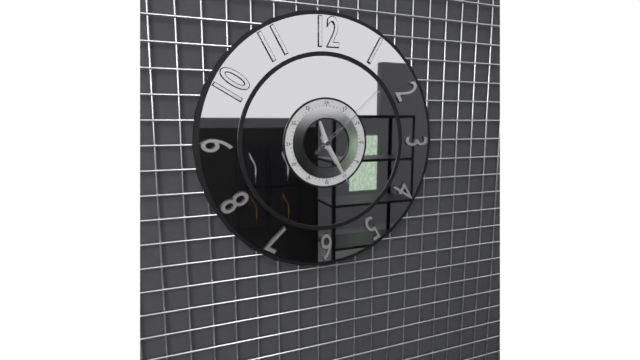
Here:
11 h 25 min 08 s
